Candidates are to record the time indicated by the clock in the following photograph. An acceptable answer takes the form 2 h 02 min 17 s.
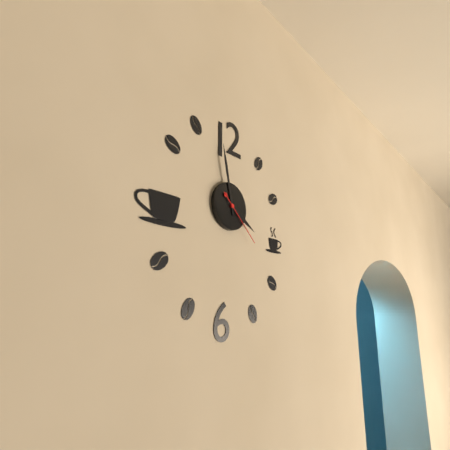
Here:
3 h 58 min 22 s
